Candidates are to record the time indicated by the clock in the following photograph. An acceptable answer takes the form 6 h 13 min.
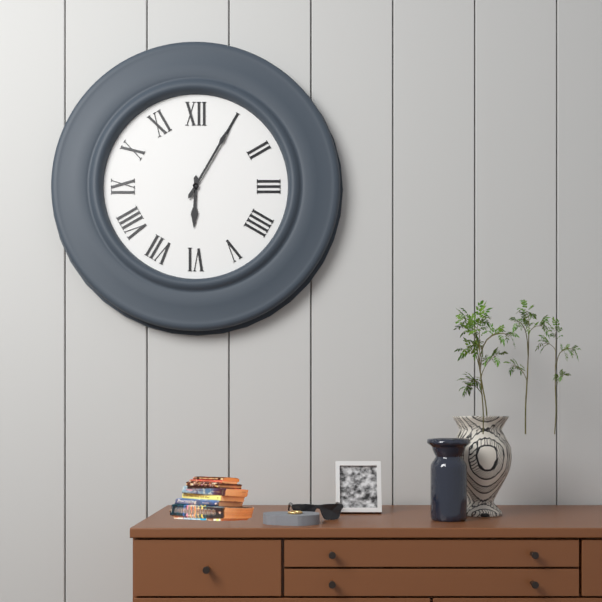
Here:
6 h 05 min
